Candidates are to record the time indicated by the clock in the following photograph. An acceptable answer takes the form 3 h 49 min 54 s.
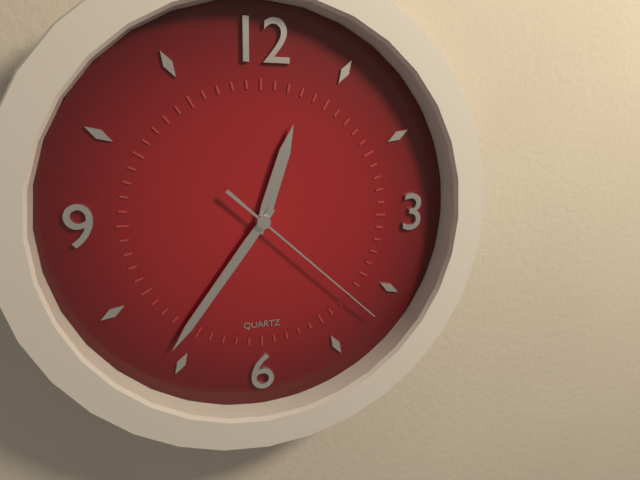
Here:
12 h 36 min 22 s
